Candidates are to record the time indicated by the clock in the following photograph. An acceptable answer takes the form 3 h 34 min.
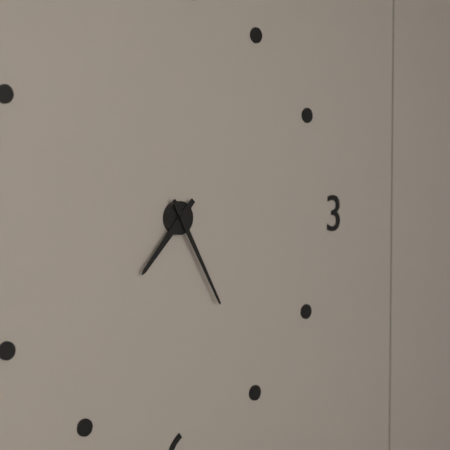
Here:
7 h 25 min
